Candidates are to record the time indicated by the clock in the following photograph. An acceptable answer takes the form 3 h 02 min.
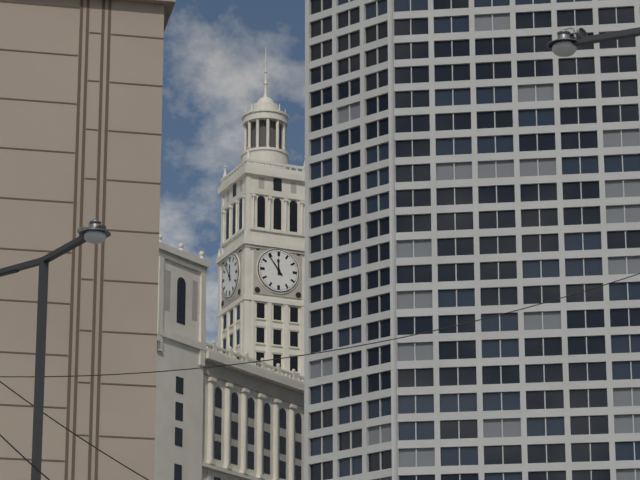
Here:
11 h 54 min
